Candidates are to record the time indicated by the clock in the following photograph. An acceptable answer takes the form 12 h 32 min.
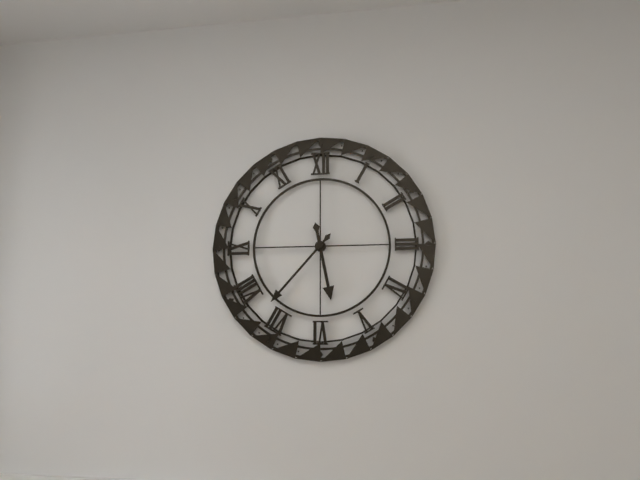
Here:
5 h 37 min
